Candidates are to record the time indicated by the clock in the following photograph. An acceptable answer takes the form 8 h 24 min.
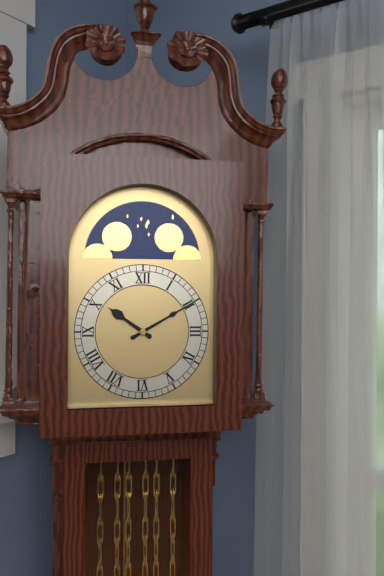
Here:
10 h 10 min
